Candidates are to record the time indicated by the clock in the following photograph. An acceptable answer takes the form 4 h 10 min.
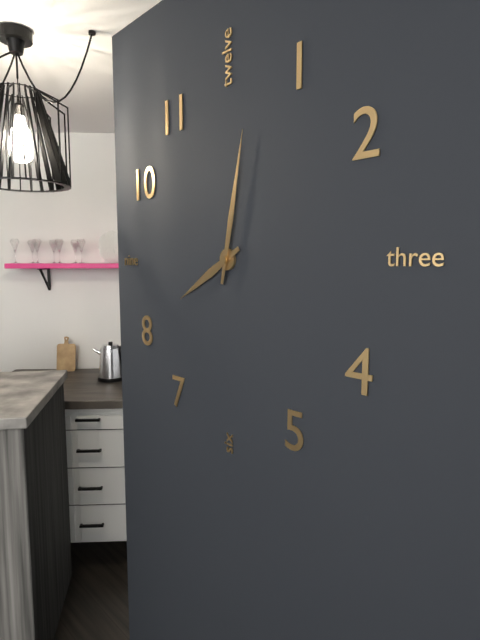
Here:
8 h 02 min
